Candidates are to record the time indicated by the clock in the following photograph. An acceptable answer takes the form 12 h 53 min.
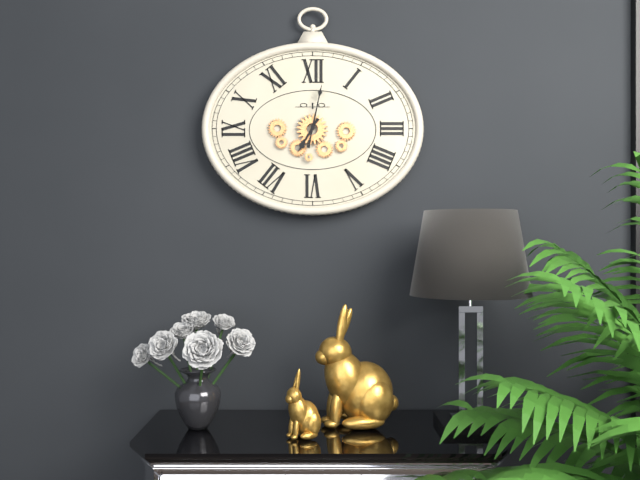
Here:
7 h 02 min
